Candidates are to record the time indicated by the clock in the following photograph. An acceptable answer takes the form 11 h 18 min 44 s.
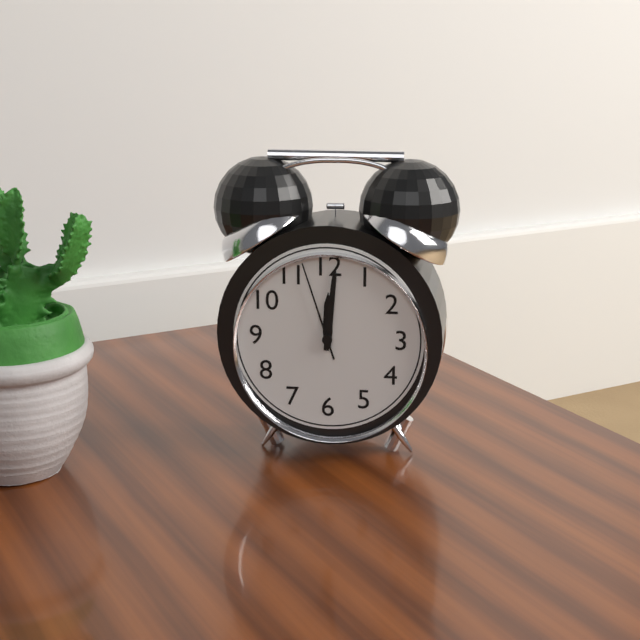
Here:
12 h 01 min 57 s
